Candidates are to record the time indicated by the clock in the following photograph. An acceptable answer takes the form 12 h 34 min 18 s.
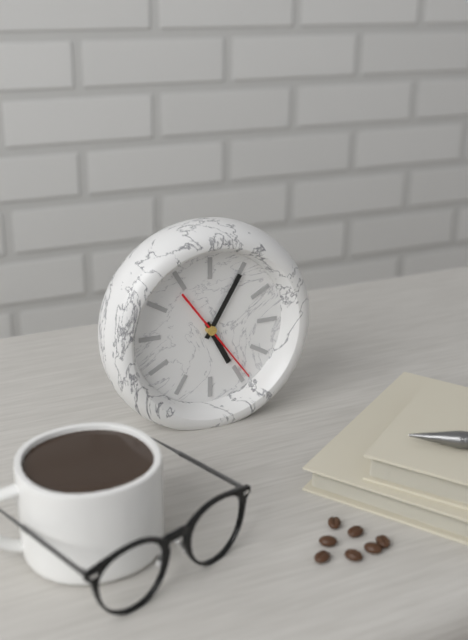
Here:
5 h 05 min 24 s
